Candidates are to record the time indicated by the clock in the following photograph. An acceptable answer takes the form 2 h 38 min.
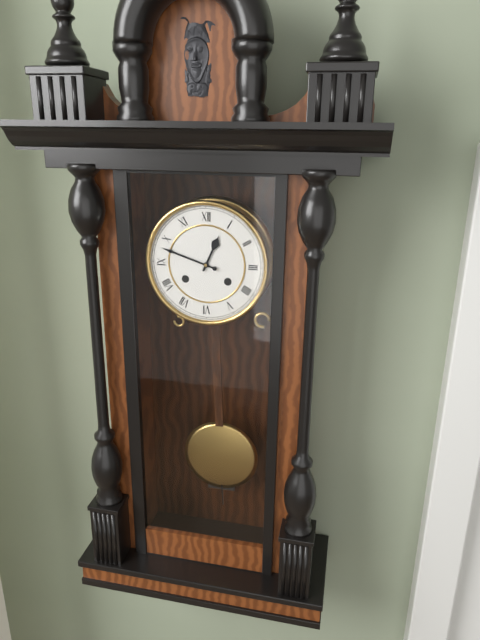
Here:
12 h 48 min
